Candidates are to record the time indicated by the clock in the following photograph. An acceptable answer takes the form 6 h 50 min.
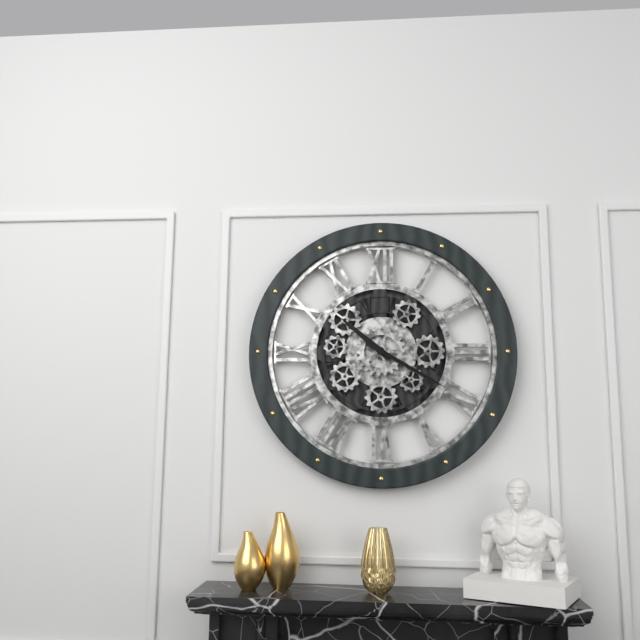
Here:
10 h 20 min
